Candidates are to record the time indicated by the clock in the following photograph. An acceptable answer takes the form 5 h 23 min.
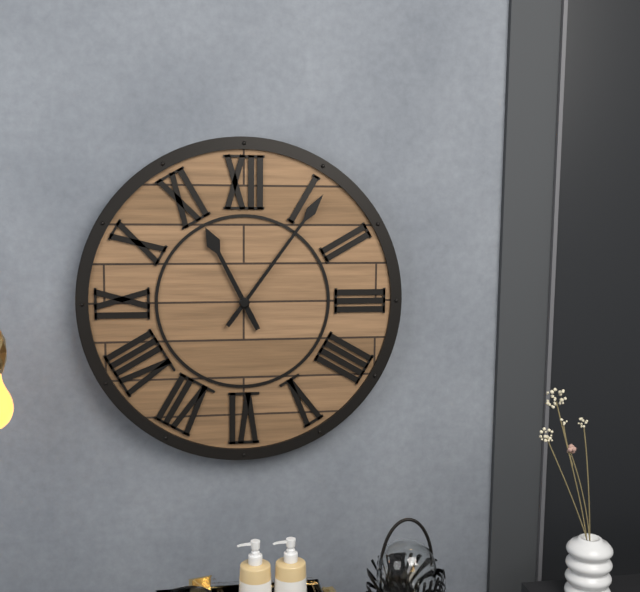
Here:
11 h 06 min
